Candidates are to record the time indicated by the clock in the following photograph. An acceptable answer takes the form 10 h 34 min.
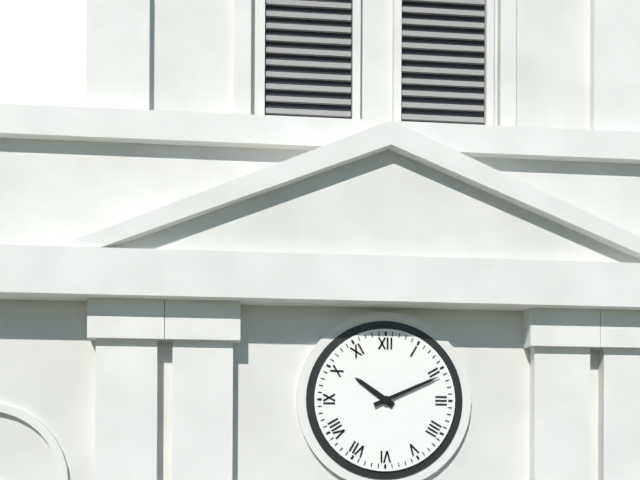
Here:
10 h 11 min
